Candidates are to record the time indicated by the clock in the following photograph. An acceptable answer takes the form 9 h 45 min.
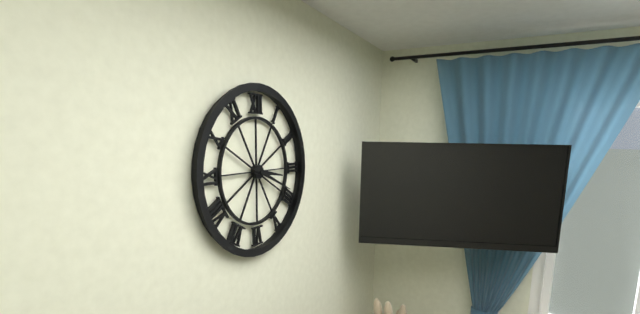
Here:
3 h 19 min
